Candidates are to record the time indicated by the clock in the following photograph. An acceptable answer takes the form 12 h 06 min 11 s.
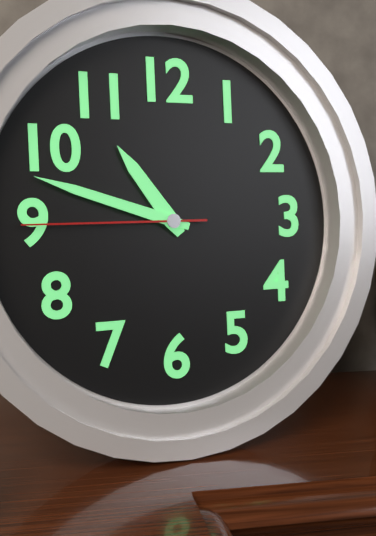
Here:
10 h 48 min 45 s
